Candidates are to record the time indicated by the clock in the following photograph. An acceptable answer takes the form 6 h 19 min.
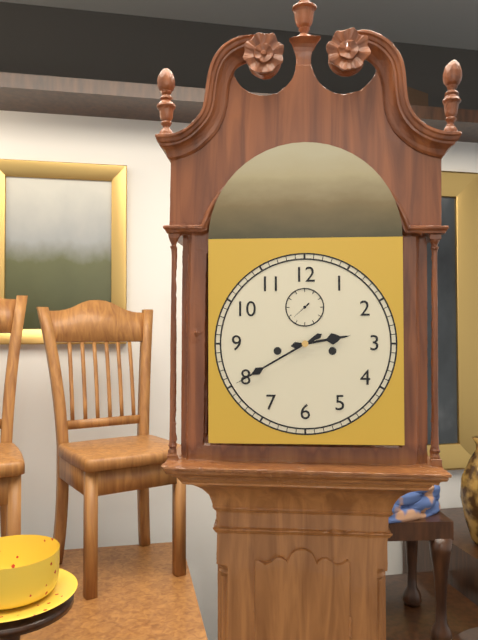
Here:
2 h 40 min
